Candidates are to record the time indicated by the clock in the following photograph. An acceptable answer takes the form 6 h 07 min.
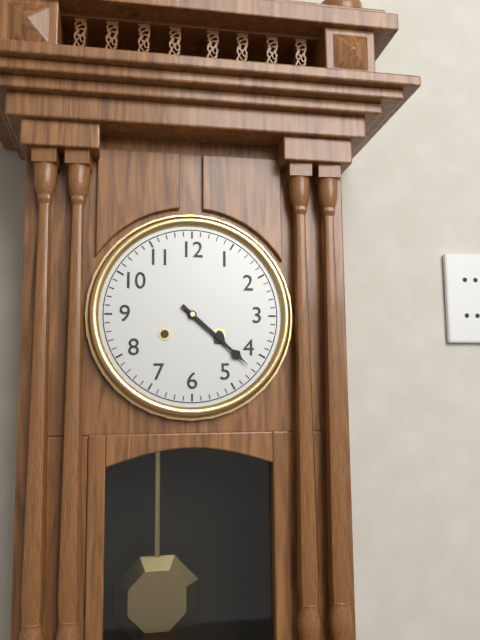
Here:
4 h 22 min
